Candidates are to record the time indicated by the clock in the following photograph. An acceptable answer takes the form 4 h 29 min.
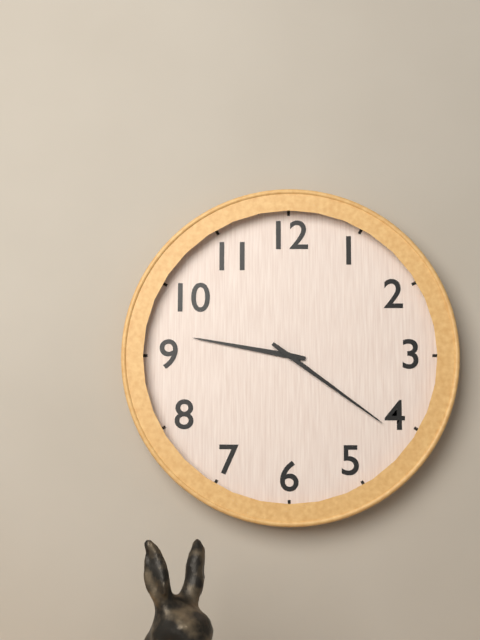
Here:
9 h 21 min
